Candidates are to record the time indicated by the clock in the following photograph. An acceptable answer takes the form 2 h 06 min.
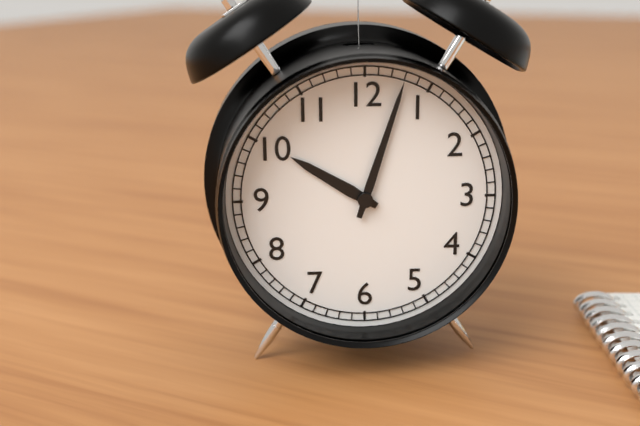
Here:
10 h 03 min
